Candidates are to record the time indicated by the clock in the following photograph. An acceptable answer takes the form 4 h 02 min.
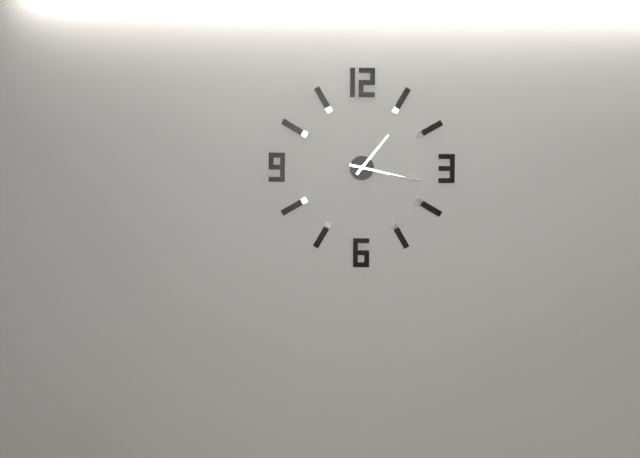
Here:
1 h 17 min
